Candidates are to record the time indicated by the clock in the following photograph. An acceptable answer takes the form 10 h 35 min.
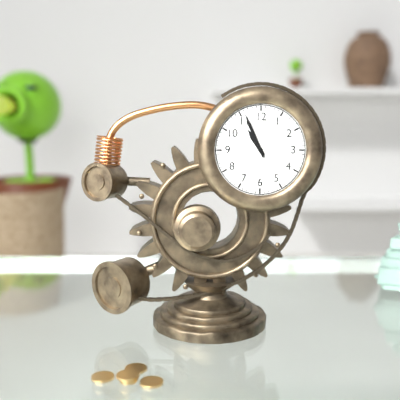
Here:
10 h 56 min
